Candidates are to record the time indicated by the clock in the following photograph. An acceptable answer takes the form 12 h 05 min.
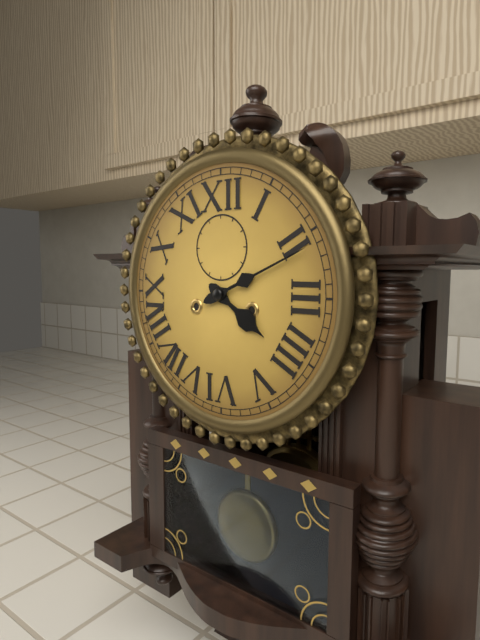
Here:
4 h 11 min
